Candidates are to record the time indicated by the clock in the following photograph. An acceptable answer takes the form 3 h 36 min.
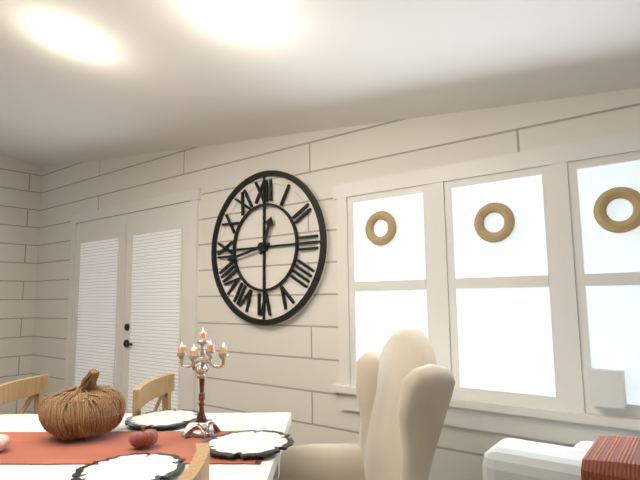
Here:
12 h 43 min
